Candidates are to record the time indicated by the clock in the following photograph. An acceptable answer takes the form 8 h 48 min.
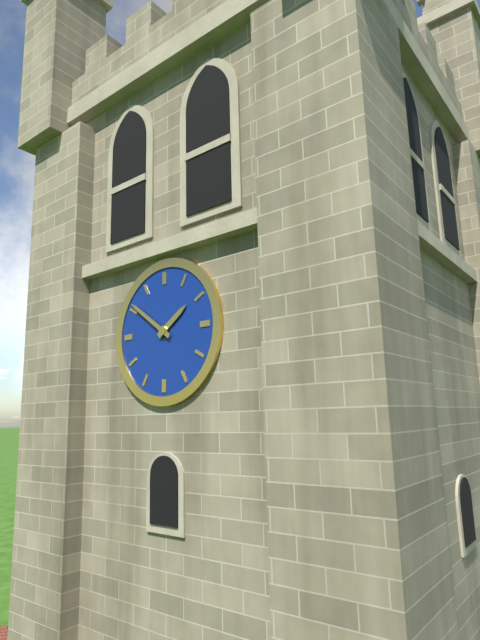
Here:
1 h 51 min
